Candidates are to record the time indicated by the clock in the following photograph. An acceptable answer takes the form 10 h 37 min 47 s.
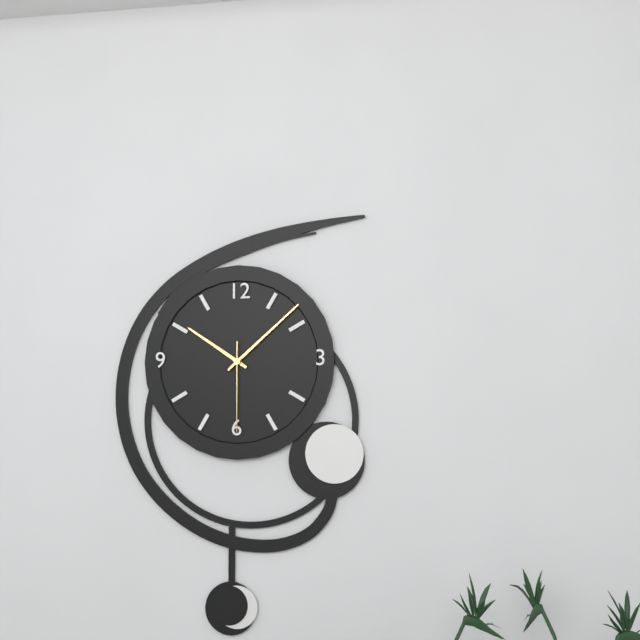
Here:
10 h 08 min 30 s
